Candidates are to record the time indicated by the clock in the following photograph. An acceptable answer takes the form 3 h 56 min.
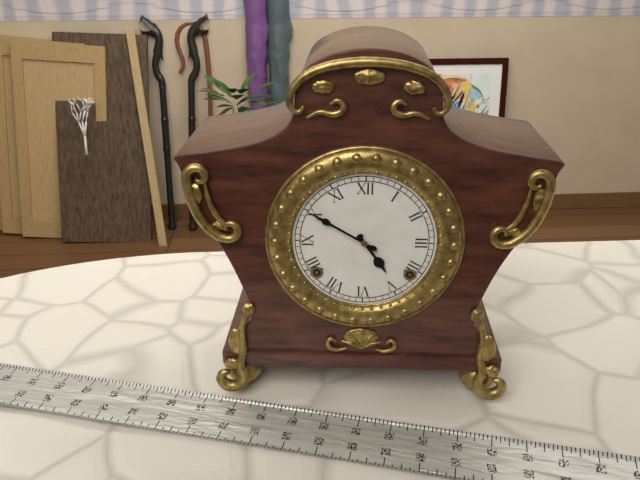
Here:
4 h 50 min
